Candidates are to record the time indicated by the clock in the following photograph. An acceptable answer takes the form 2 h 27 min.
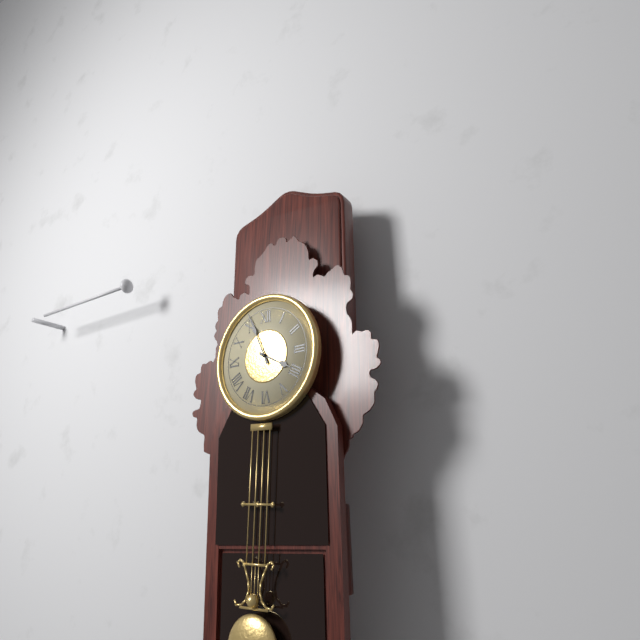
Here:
3 h 56 min
